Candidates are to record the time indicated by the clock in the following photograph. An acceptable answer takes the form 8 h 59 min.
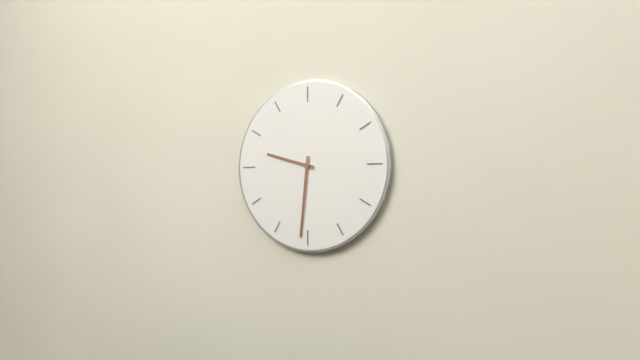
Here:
9 h 31 min
